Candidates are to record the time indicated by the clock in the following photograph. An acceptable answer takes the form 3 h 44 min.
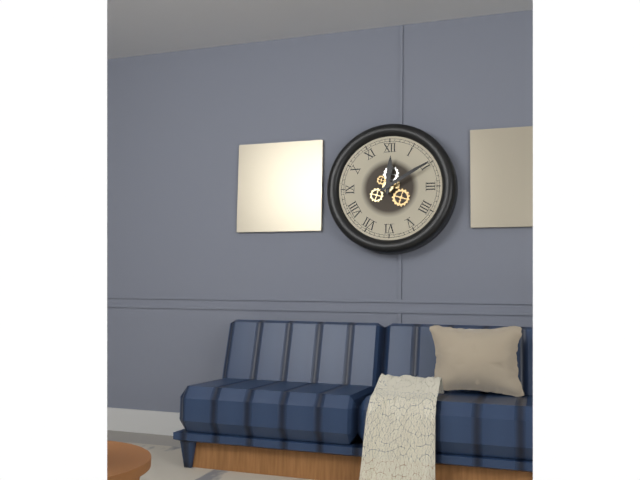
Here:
12 h 10 min
